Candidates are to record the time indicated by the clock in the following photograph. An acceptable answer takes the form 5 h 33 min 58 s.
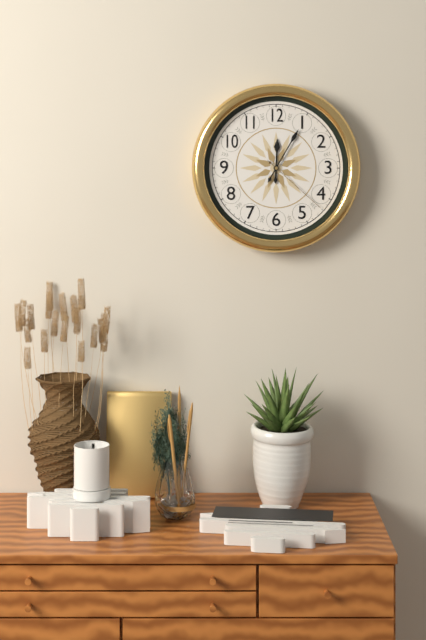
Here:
12 h 05 min 22 s
